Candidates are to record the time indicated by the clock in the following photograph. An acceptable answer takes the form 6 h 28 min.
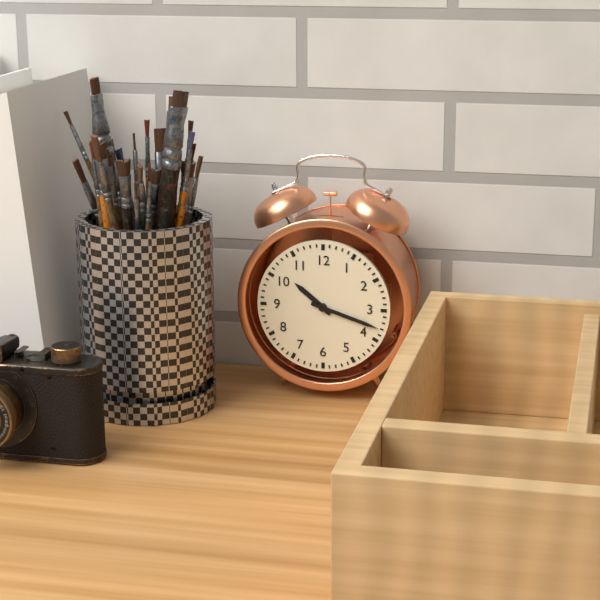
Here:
10 h 18 min
